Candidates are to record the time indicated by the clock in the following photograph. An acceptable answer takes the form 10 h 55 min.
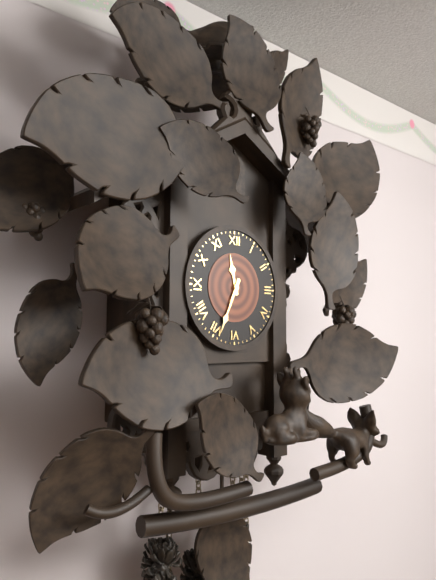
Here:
11 h 34 min
